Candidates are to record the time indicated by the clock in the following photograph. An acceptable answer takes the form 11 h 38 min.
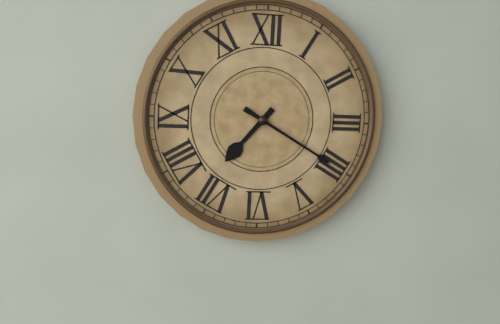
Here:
7 h 20 min
